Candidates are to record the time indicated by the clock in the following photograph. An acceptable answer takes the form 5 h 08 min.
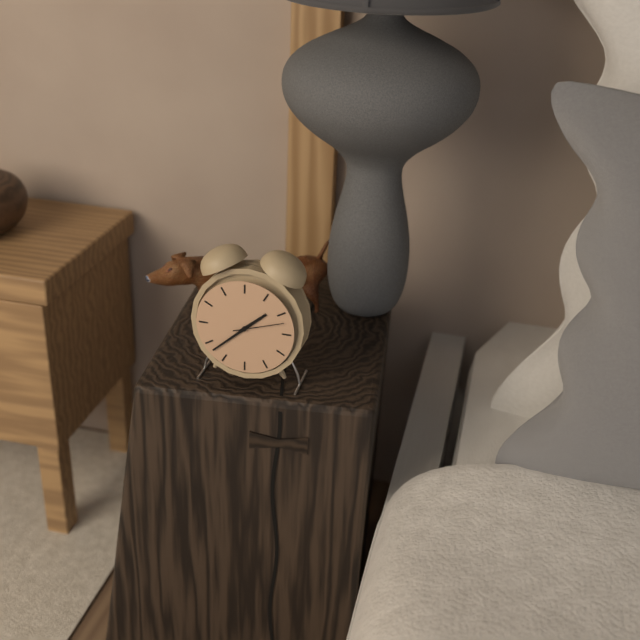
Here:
1 h 38 min
